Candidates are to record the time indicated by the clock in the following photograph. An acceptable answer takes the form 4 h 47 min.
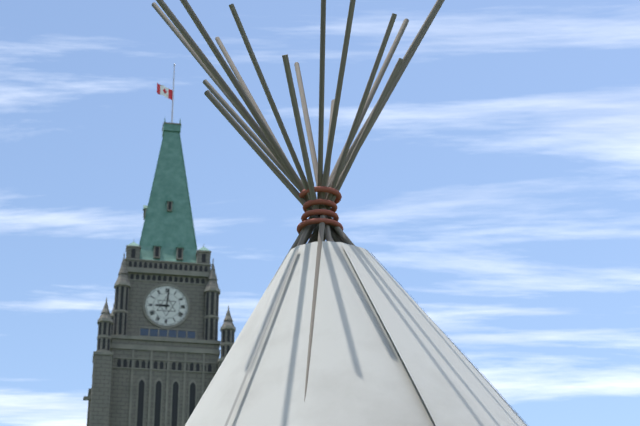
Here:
9 h 01 min
